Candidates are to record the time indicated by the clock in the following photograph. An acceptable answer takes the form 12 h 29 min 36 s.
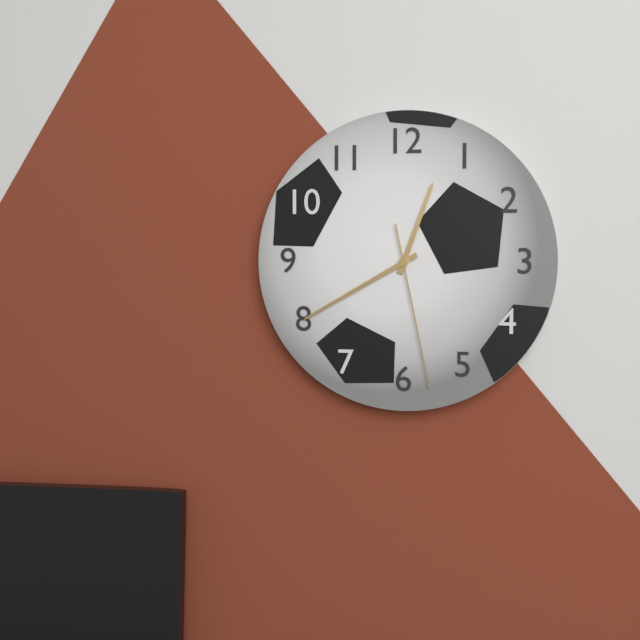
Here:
12 h 40 min 28 s
